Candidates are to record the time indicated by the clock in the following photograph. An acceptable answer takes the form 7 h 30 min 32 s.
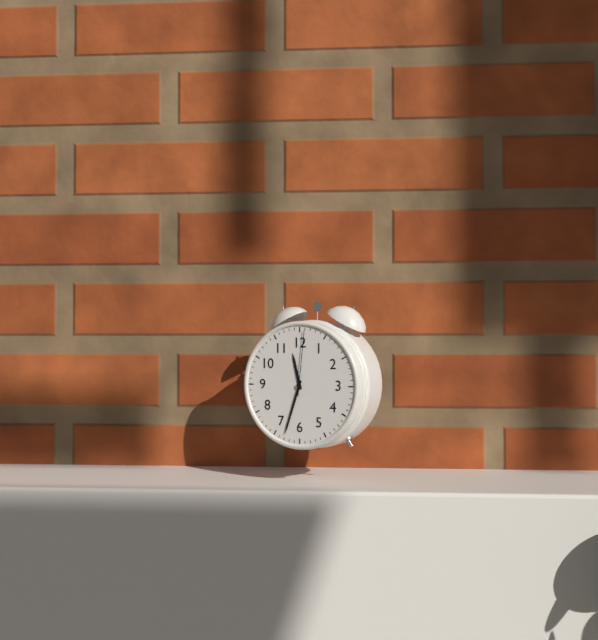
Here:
11 h 33 min 01 s
